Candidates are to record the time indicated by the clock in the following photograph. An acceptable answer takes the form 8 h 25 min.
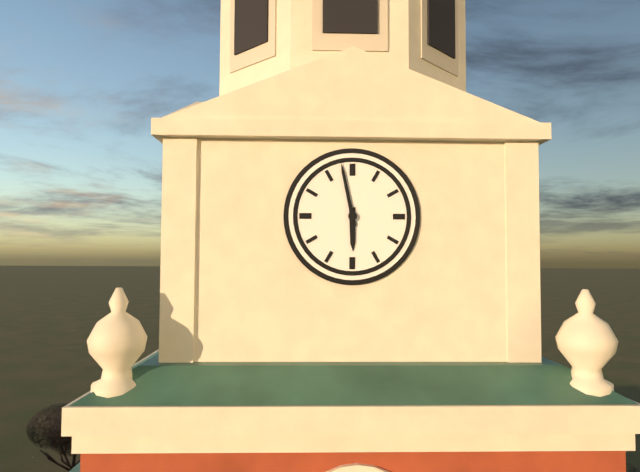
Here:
5 h 58 min
